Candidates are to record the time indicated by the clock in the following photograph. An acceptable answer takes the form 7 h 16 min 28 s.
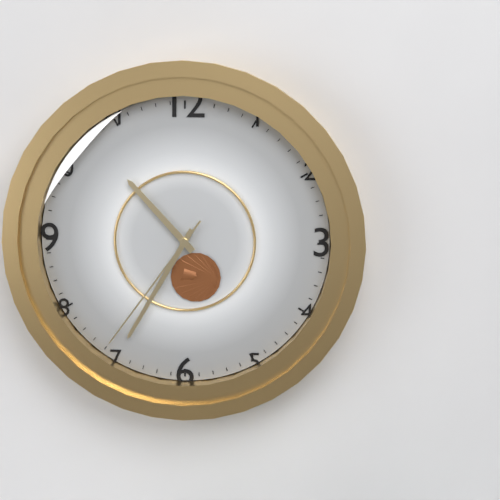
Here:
10 h 35 min 36 s
